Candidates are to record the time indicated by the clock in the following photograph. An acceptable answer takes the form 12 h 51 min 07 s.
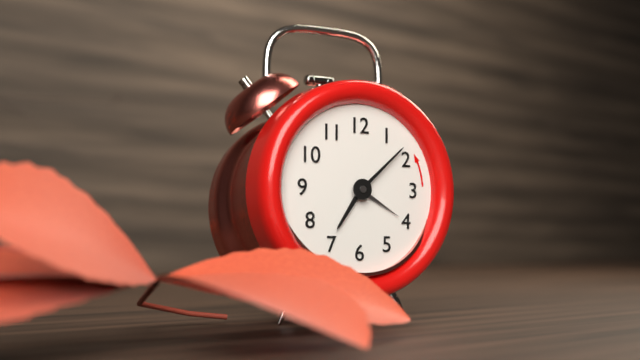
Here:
7 h 08 min 20 s
